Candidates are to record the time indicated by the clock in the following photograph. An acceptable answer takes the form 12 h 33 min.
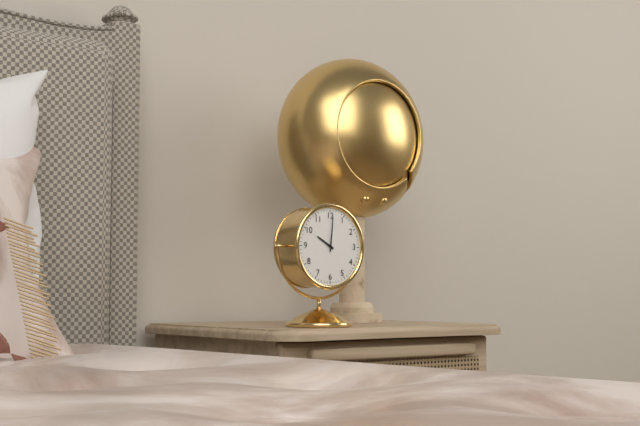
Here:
10 h 01 min
